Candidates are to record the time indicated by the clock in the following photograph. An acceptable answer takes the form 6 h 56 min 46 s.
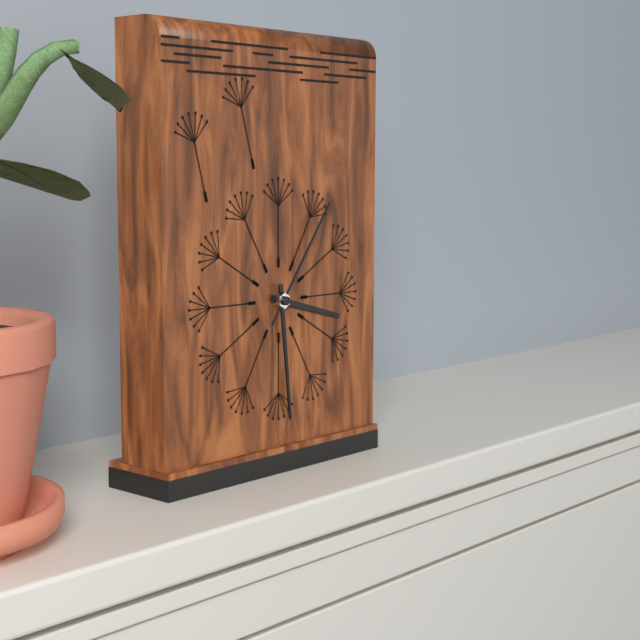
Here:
3 h 29 min 06 s
